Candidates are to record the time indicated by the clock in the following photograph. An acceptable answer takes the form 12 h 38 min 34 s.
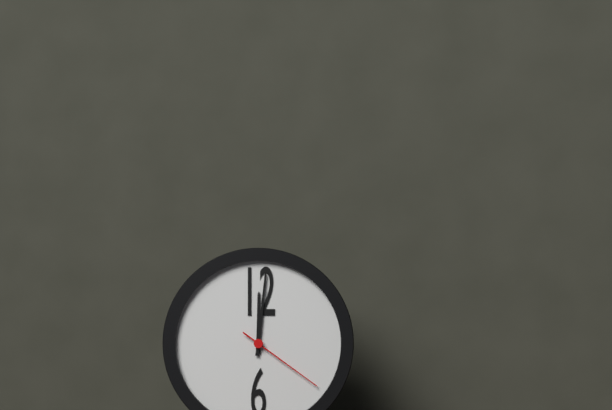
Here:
12 h 01 min 21 s
